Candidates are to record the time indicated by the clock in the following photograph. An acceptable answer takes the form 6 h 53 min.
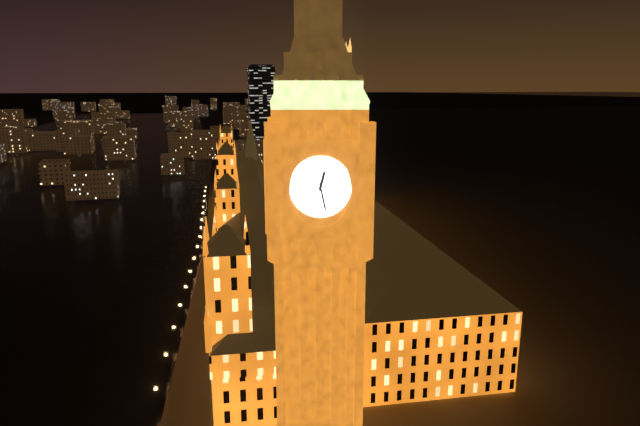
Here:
12 h 28 min
